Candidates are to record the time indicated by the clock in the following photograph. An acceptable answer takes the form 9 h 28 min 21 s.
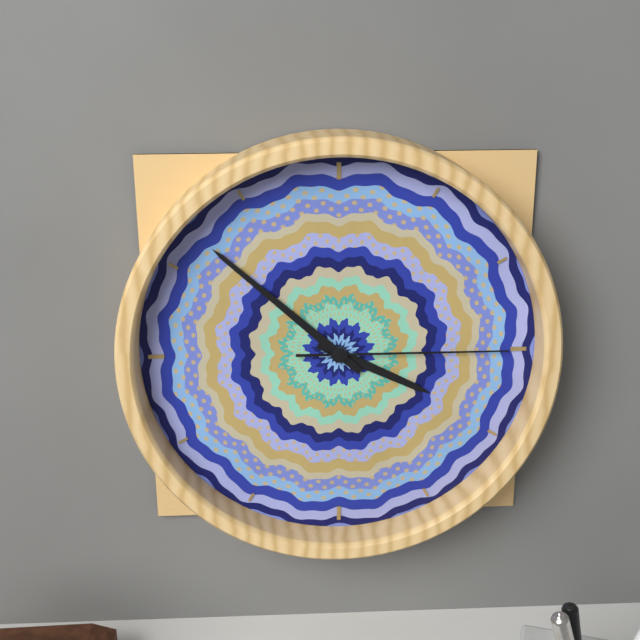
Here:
3 h 52 min 15 s
